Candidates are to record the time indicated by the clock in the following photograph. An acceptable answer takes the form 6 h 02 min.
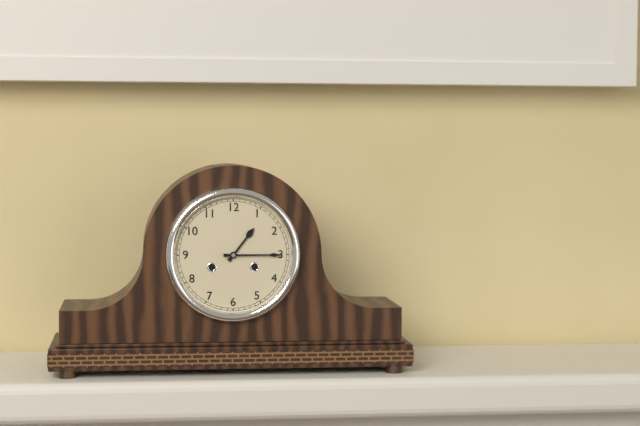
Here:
1 h 15 min
